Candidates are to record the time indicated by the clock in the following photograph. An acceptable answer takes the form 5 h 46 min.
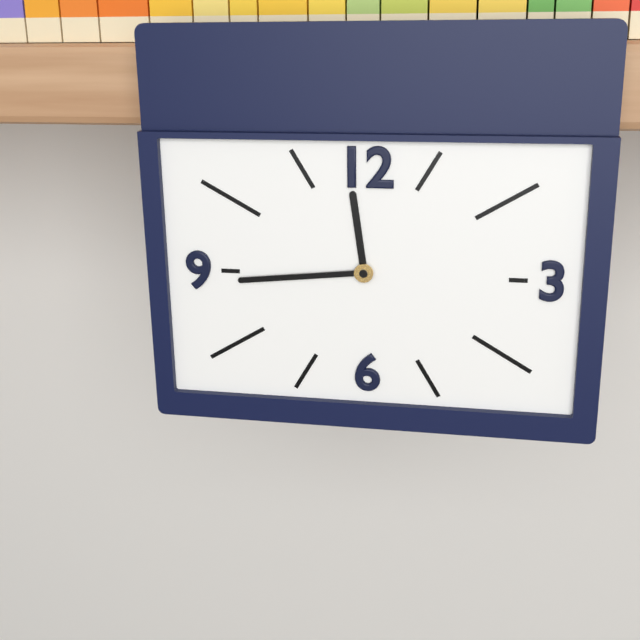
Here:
11 h 44 min
